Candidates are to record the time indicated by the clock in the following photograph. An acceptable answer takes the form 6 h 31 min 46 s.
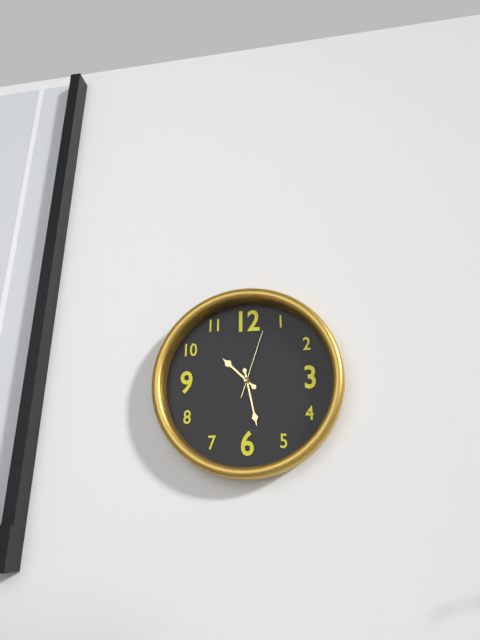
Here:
10 h 28 min 03 s
